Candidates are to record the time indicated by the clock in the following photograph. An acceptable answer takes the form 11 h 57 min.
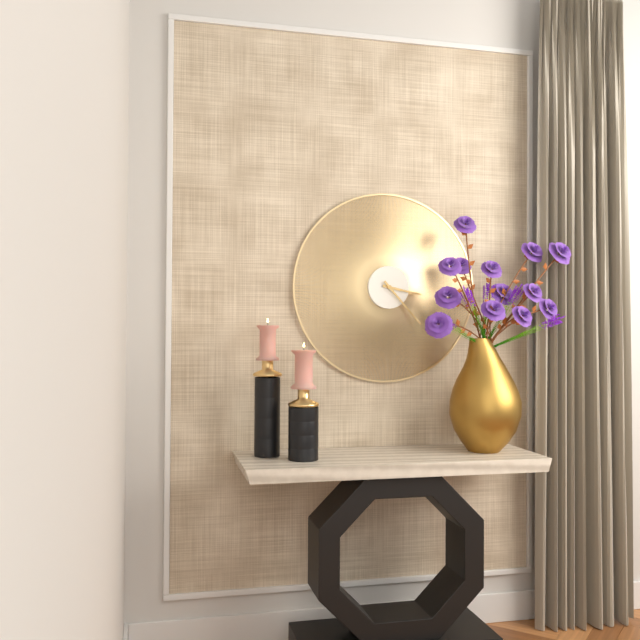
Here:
3 h 23 min
